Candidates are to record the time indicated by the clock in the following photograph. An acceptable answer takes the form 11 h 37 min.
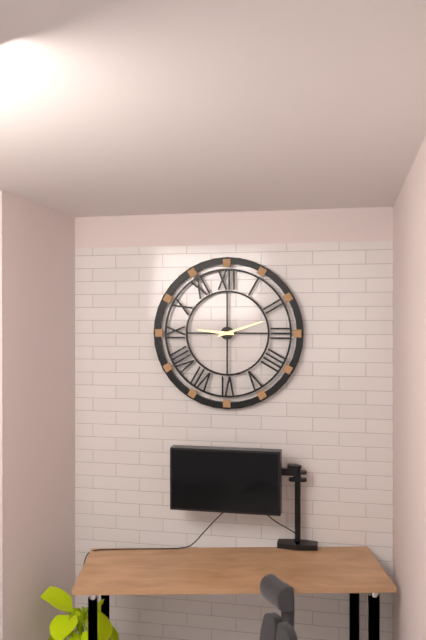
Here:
9 h 12 min
